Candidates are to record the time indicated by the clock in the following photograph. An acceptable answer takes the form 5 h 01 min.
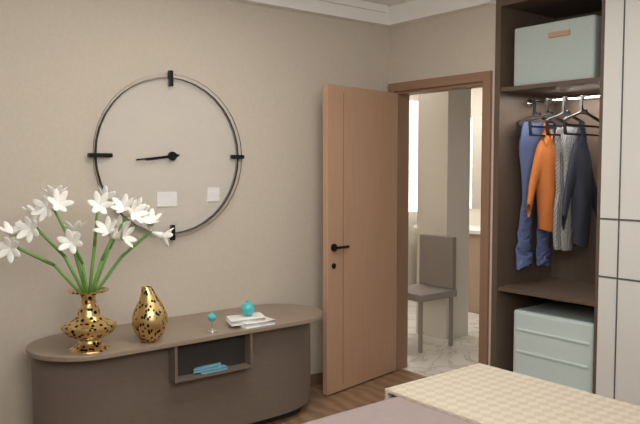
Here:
8 h 44 min
